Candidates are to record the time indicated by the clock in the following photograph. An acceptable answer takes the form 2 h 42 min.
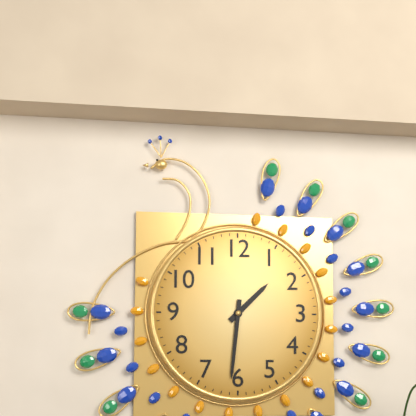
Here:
1 h 31 min
